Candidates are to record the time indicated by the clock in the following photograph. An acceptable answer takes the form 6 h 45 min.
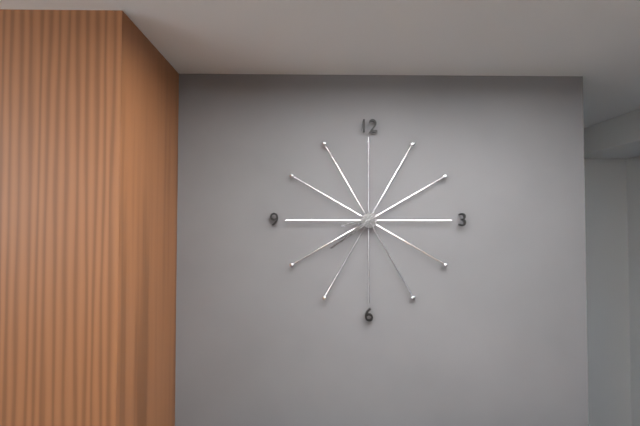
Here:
8 h 39 min
